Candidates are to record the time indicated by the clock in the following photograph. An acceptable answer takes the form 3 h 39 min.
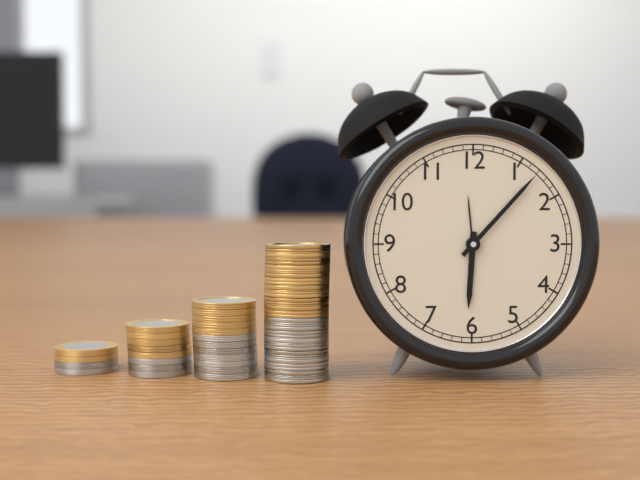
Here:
6 h 07 min
